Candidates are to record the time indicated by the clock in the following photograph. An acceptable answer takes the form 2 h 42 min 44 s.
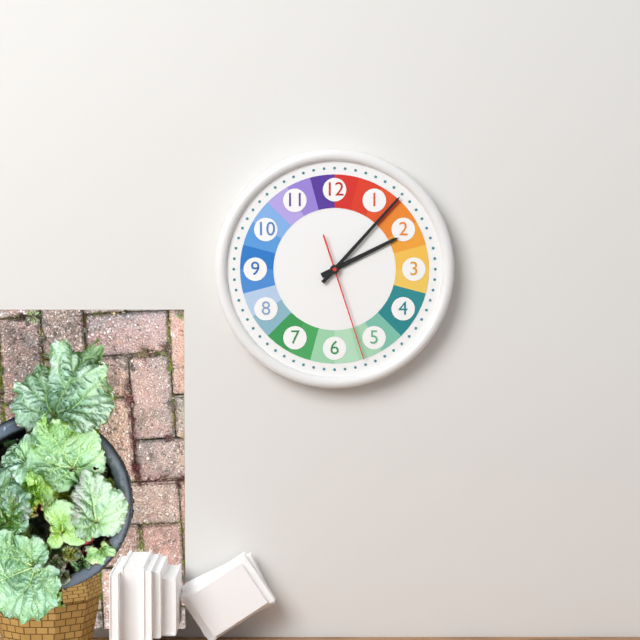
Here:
2 h 07 min 27 s
